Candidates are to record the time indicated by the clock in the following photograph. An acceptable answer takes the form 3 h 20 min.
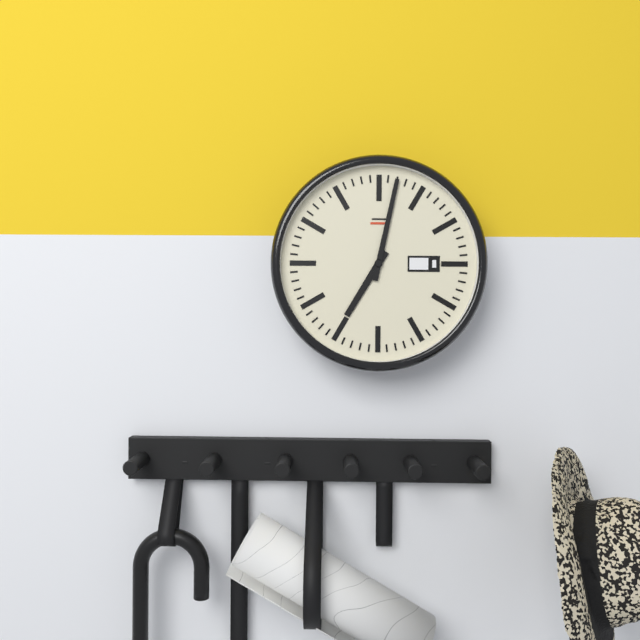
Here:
7 h 02 min
